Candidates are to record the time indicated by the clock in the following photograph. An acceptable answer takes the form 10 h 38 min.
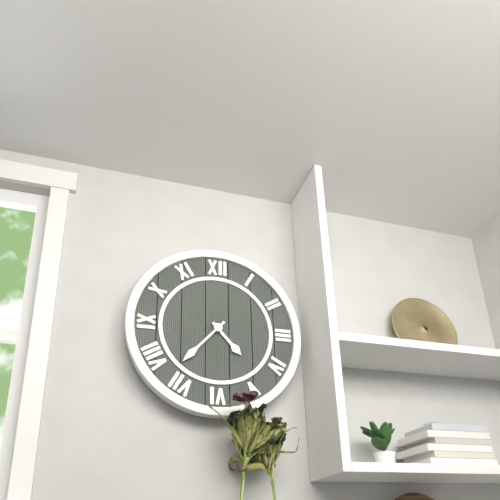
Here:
4 h 37 min
